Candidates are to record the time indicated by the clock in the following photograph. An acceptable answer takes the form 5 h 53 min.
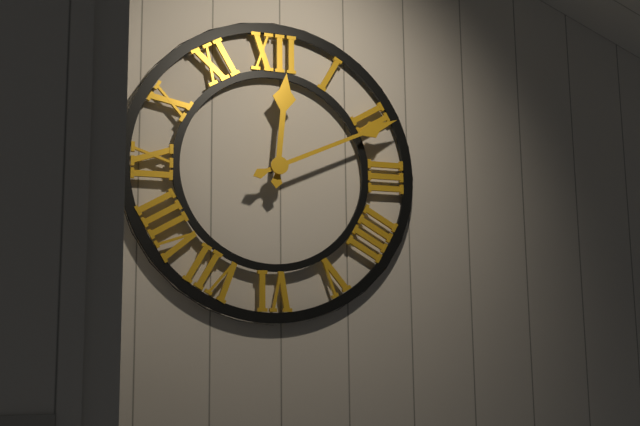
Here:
12 h 11 min
